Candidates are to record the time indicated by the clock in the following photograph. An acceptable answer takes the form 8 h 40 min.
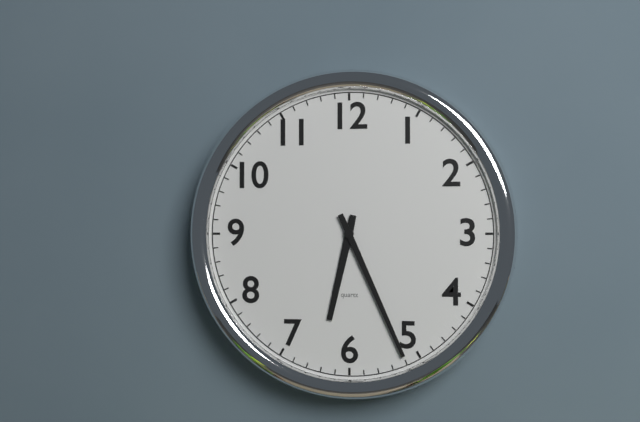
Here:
6 h 26 min
